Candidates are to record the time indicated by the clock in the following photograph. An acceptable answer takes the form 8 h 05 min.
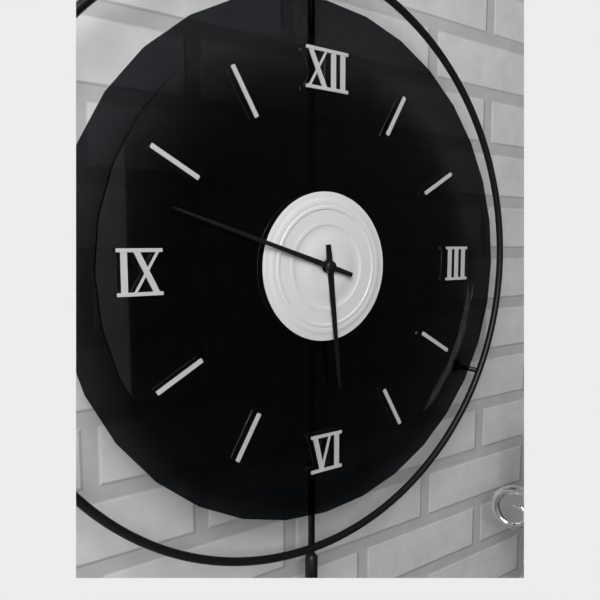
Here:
5 h 48 min
